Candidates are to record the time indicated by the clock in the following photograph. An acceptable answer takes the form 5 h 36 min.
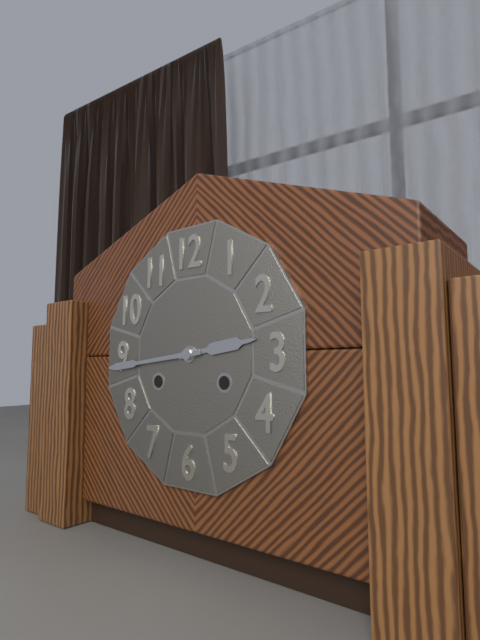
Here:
2 h 44 min
